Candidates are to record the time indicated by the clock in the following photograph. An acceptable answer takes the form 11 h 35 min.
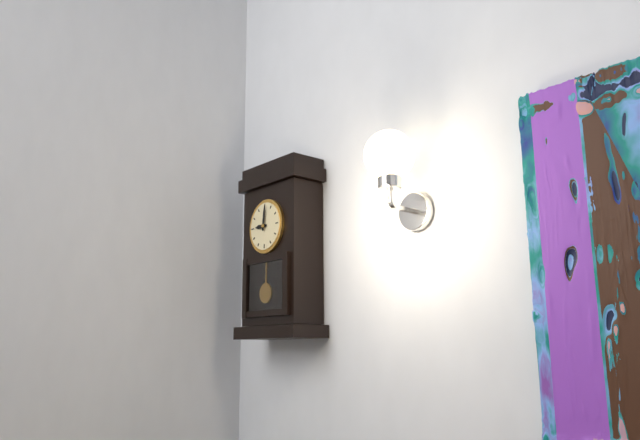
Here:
9 h 01 min
